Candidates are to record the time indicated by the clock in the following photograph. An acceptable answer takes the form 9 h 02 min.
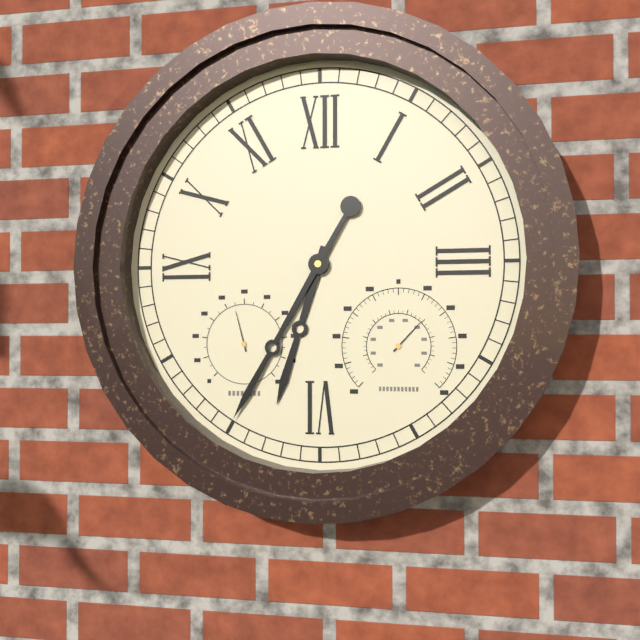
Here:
6 h 35 min
